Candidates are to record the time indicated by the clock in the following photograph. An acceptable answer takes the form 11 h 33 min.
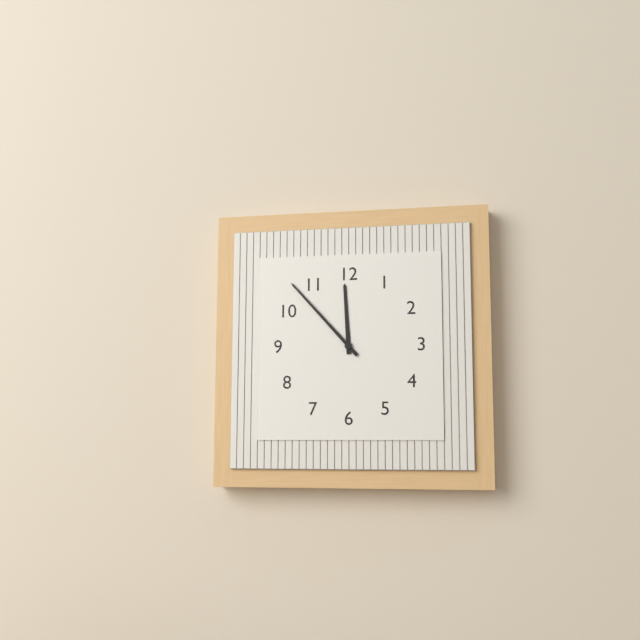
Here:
11 h 53 min
